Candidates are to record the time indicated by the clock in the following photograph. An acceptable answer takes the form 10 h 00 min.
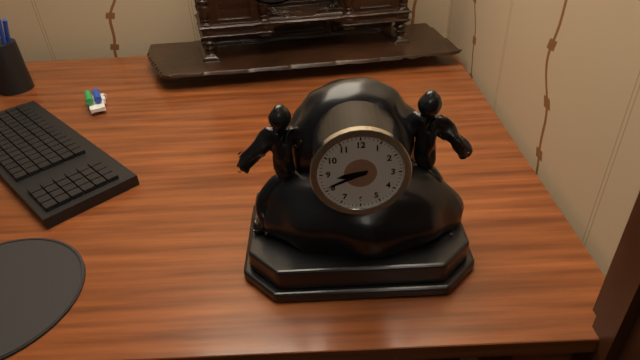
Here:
8 h 41 min
